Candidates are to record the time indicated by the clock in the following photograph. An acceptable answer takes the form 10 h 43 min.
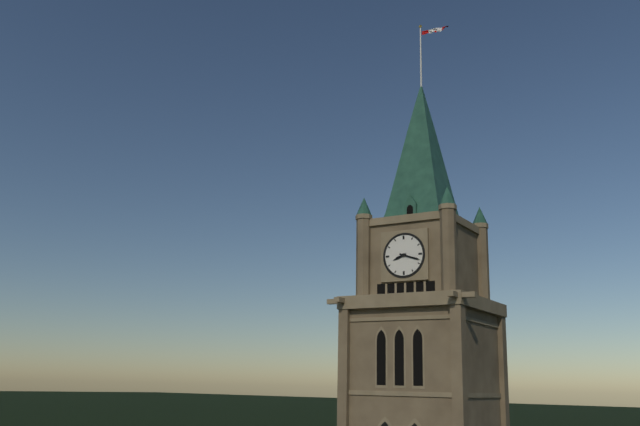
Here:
8 h 18 min
